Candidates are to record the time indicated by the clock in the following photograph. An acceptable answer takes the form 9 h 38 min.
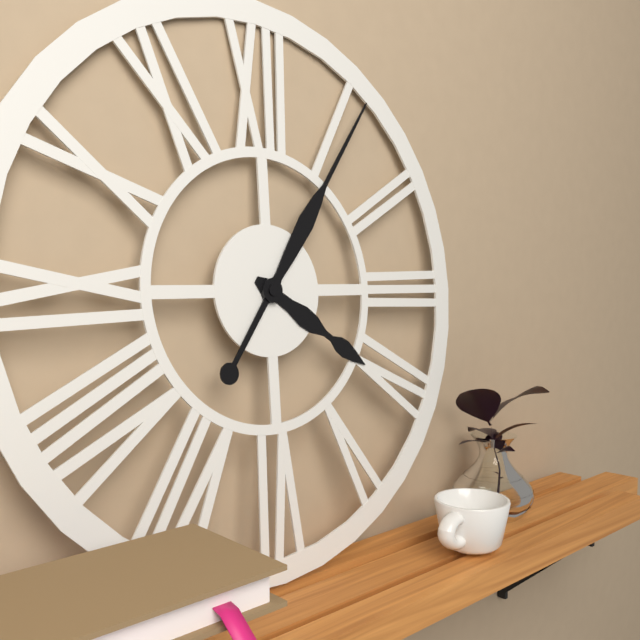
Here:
4 h 06 min
